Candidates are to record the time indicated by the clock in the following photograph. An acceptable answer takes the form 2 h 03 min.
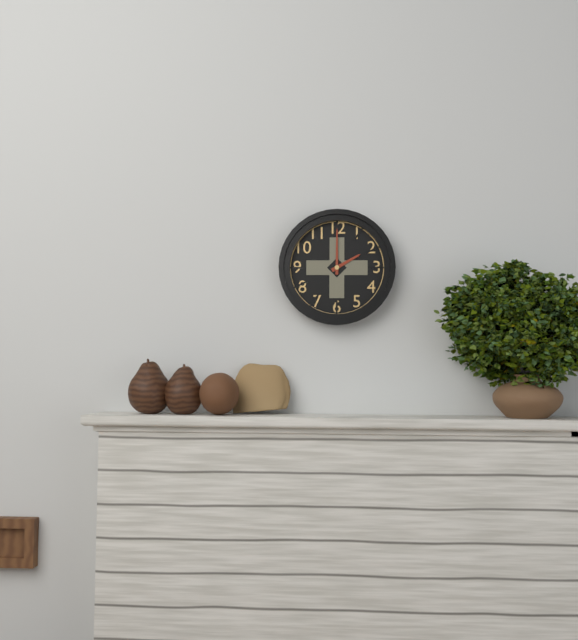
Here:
2 h 00 min
